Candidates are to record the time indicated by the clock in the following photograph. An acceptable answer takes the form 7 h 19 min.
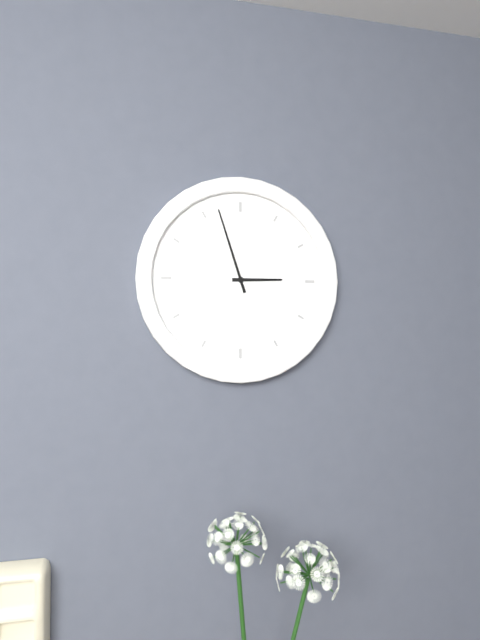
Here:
2 h 57 min
